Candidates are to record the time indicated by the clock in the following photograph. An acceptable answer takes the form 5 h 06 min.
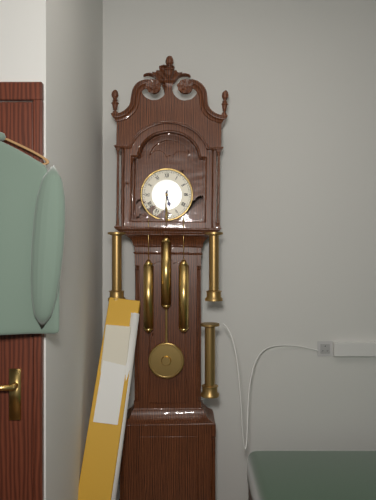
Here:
5 h 31 min
